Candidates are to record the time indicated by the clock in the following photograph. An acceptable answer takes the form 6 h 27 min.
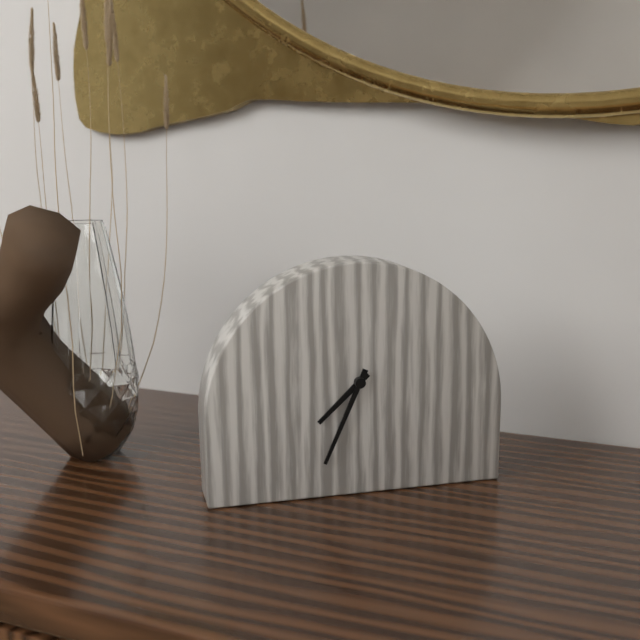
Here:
7 h 34 min
